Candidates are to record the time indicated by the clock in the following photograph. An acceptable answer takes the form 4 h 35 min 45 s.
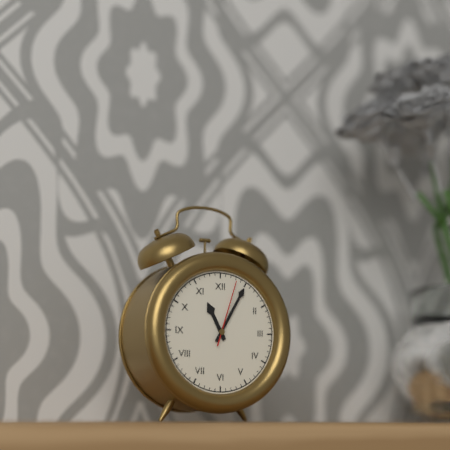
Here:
11 h 05 min 03 s
